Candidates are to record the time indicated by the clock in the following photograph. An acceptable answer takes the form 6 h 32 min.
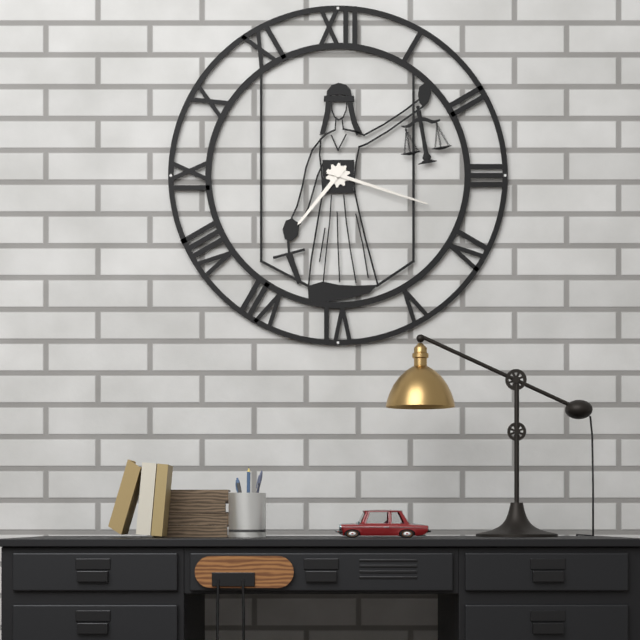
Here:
7 h 18 min
